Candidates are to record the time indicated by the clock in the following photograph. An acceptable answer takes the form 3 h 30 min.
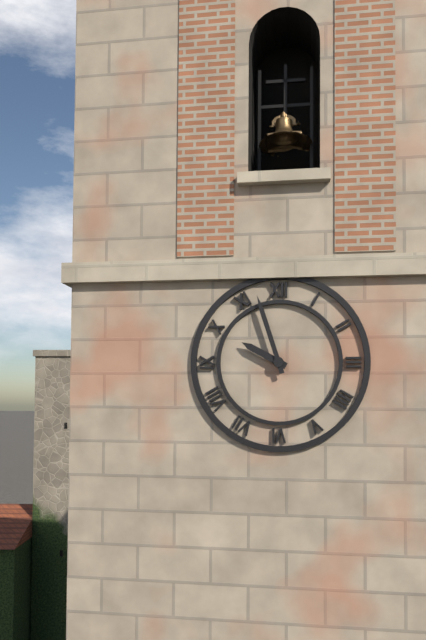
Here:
9 h 57 min
